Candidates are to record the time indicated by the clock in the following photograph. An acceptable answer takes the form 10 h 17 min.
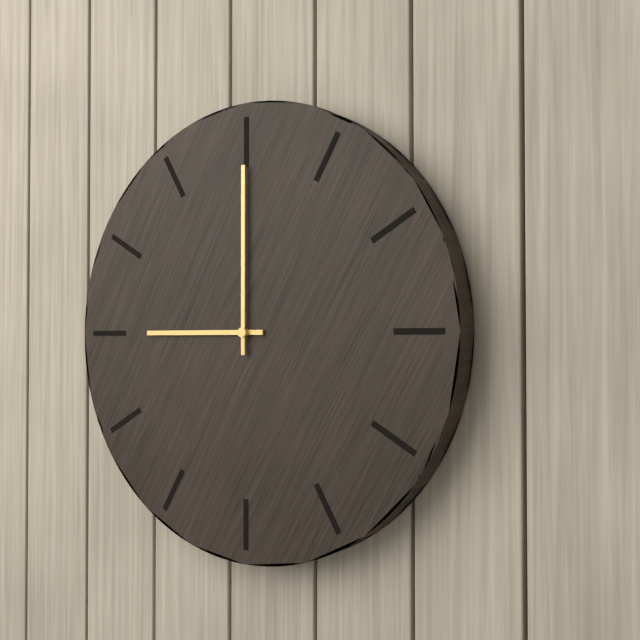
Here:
9 h 00 min
